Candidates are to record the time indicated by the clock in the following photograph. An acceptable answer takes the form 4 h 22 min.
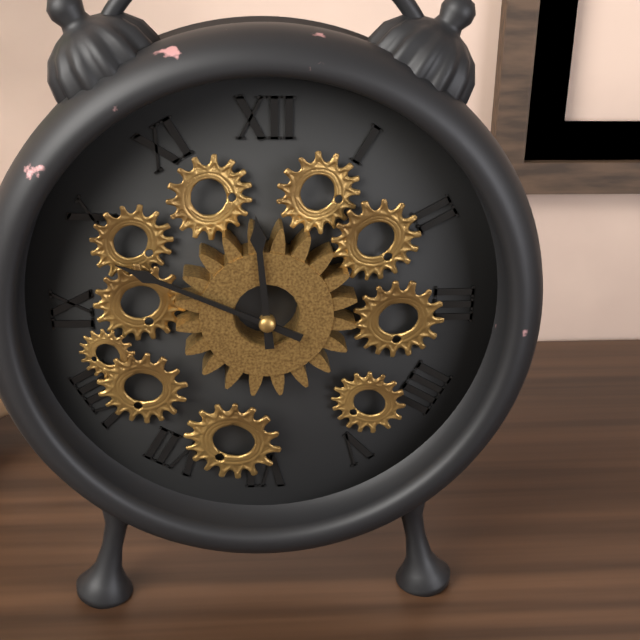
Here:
11 h 49 min
